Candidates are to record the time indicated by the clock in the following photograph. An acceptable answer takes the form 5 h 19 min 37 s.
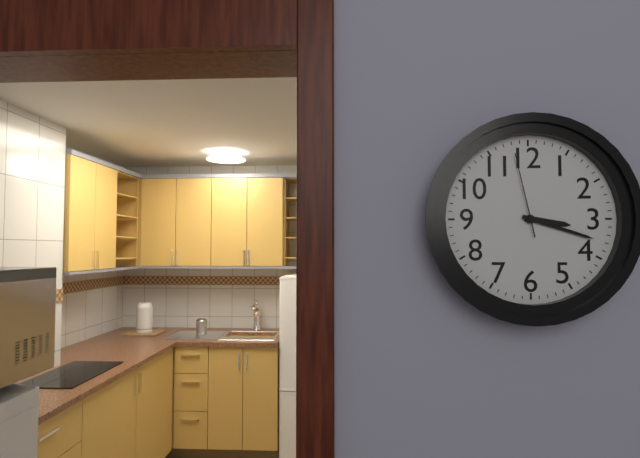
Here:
3 h 18 min 58 s
